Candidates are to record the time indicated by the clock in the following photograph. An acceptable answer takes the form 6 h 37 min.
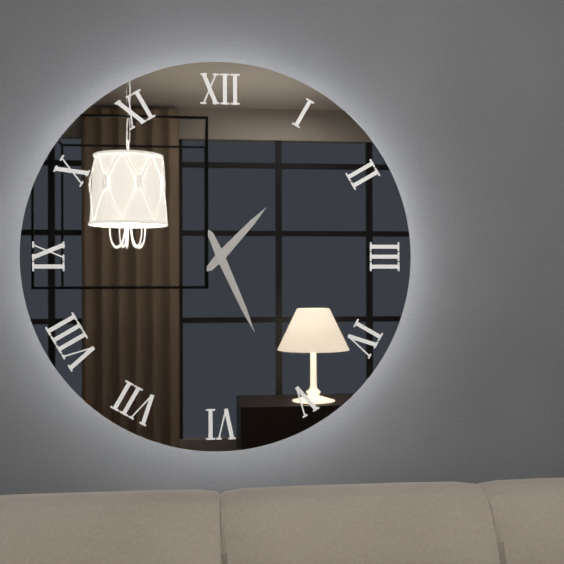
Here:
1 h 26 min
